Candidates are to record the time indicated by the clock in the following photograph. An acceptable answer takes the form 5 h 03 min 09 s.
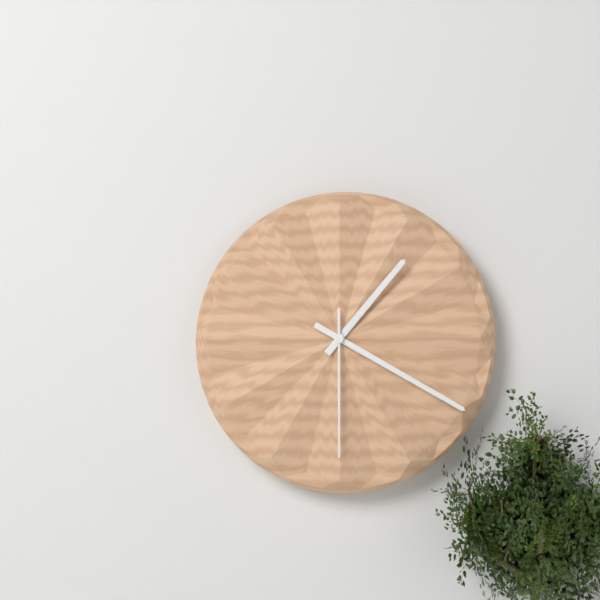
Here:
1 h 20 min 30 s
